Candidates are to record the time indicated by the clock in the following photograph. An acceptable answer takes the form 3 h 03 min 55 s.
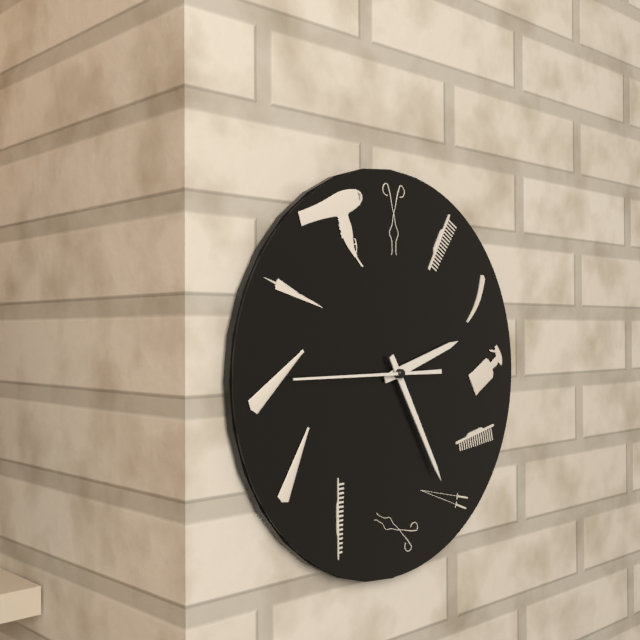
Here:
2 h 25 min 45 s
